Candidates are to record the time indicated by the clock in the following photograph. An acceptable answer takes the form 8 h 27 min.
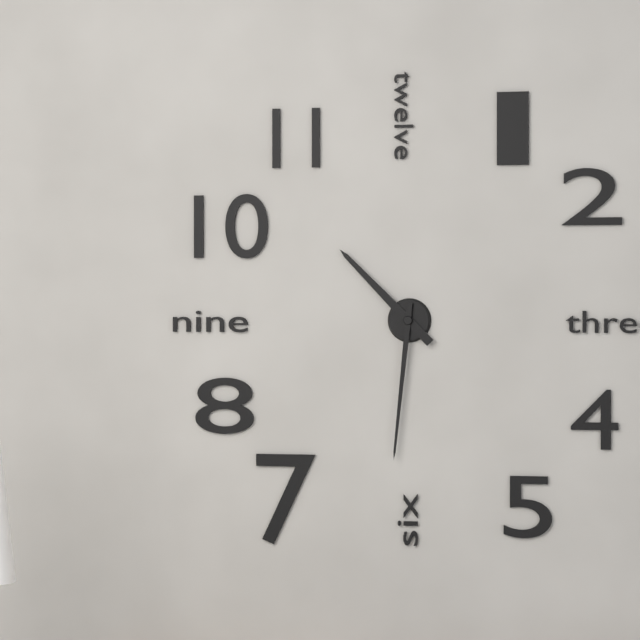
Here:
10 h 31 min
